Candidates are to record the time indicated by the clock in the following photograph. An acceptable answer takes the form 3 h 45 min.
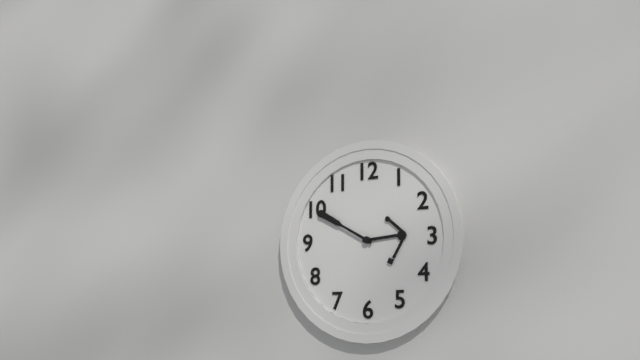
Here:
2 h 50 min
